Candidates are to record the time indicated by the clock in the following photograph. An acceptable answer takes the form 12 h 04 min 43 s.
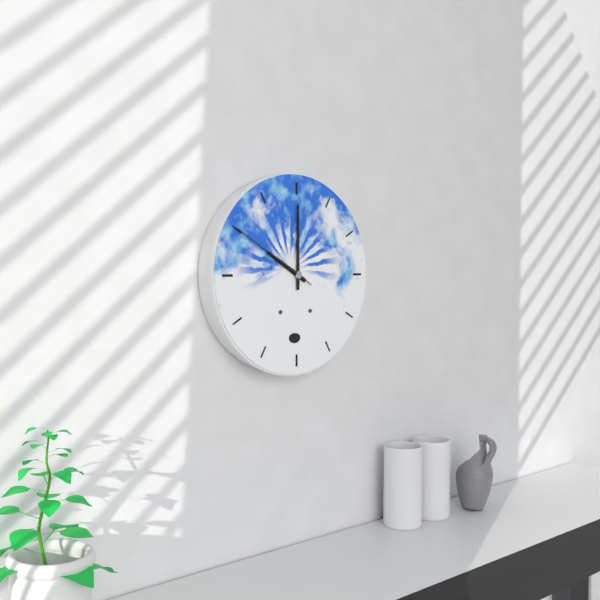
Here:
10 h 00 min 50 s
